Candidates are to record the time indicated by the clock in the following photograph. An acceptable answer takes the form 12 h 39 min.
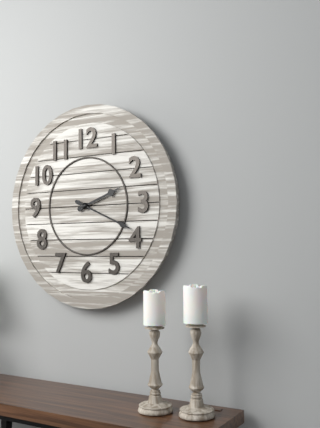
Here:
2 h 19 min
